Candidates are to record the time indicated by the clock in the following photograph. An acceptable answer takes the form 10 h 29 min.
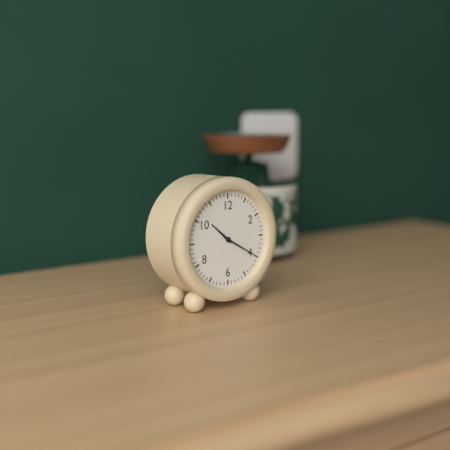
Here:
10 h 20 min
